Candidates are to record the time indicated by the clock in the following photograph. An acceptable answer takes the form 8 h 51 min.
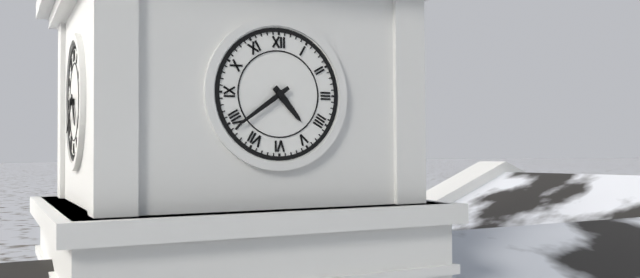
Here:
4 h 39 min
